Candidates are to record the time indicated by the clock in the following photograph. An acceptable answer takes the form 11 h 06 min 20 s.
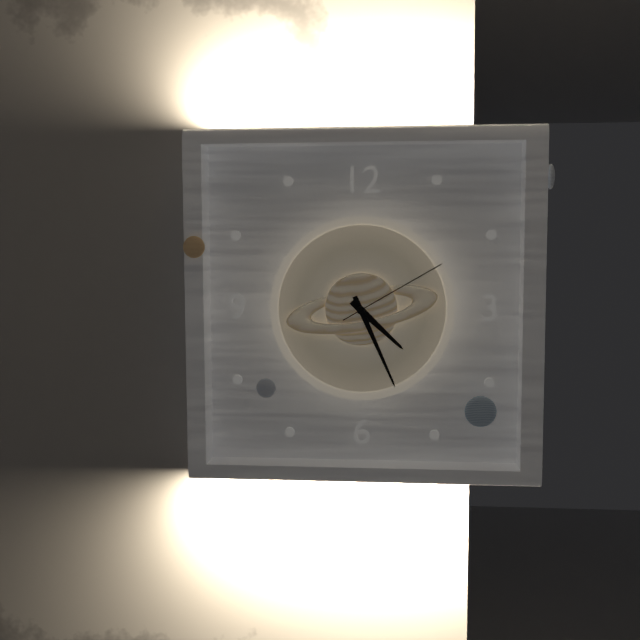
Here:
4 h 26 min 10 s
